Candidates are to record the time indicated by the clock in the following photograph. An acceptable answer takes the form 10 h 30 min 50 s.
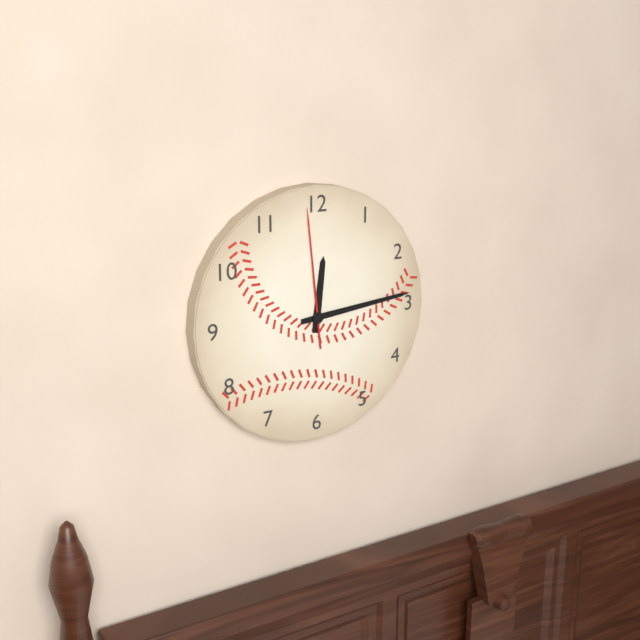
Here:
12 h 14 min 59 s
